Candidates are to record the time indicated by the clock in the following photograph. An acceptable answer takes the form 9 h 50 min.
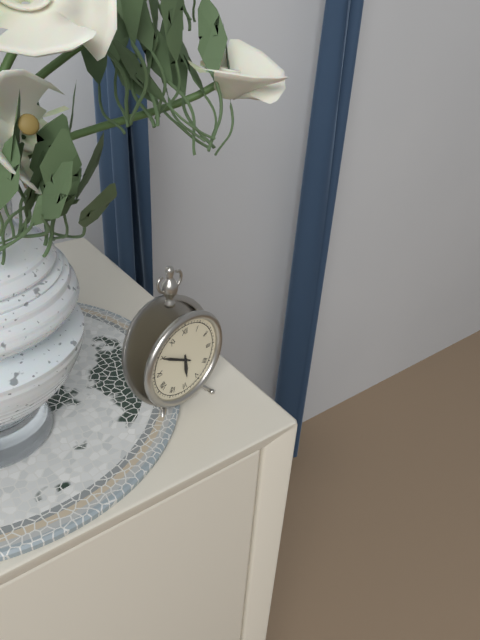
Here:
5 h 50 min
